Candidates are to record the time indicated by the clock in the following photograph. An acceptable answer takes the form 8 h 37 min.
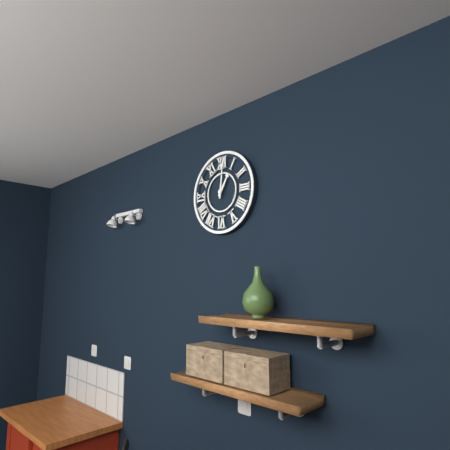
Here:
1 h 01 min
